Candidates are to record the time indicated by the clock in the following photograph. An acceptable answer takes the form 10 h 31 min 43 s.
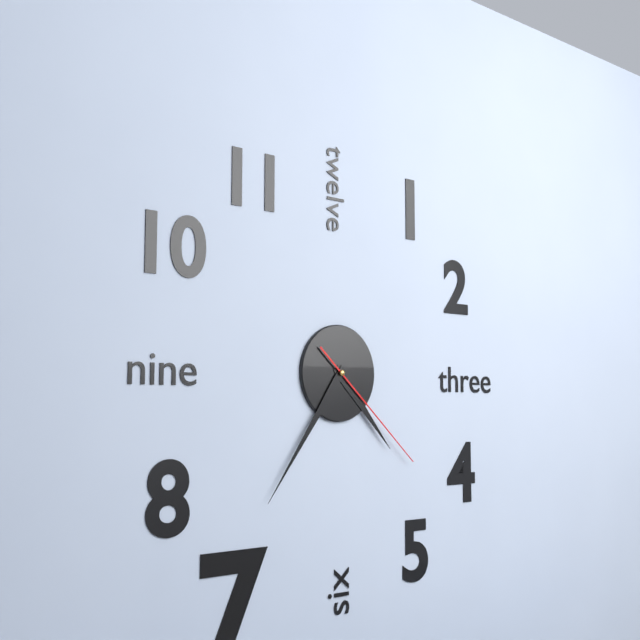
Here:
4 h 36 min 22 s
